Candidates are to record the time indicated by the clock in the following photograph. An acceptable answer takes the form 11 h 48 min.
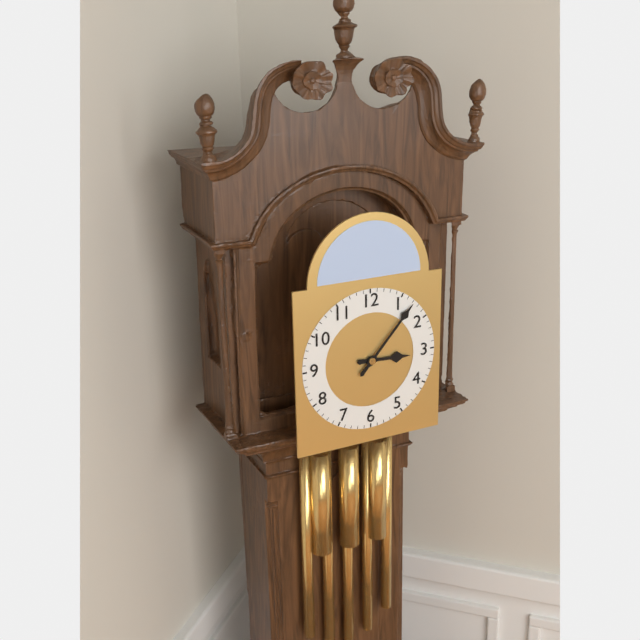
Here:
3 h 07 min
